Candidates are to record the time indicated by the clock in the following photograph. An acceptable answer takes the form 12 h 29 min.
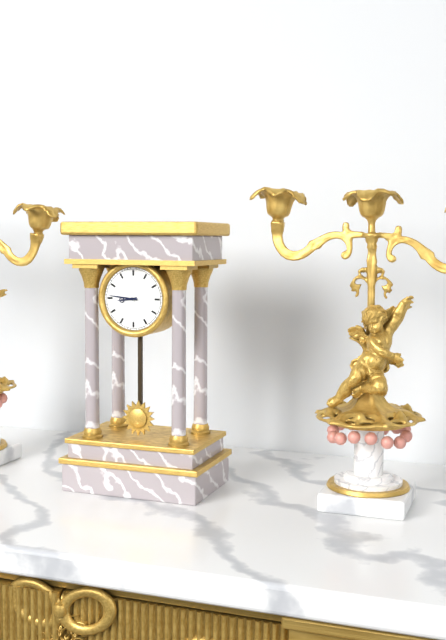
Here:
8 h 46 min
